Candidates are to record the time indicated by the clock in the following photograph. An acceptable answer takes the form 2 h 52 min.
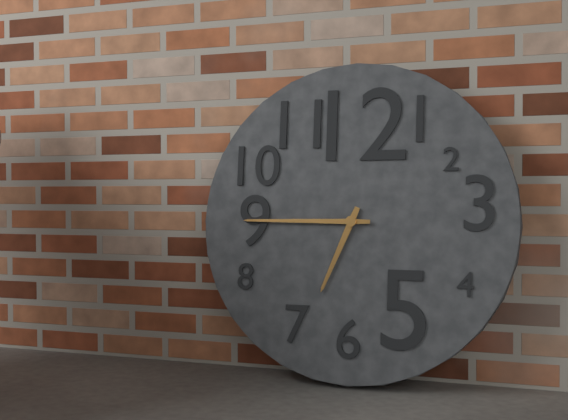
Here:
6 h 45 min
